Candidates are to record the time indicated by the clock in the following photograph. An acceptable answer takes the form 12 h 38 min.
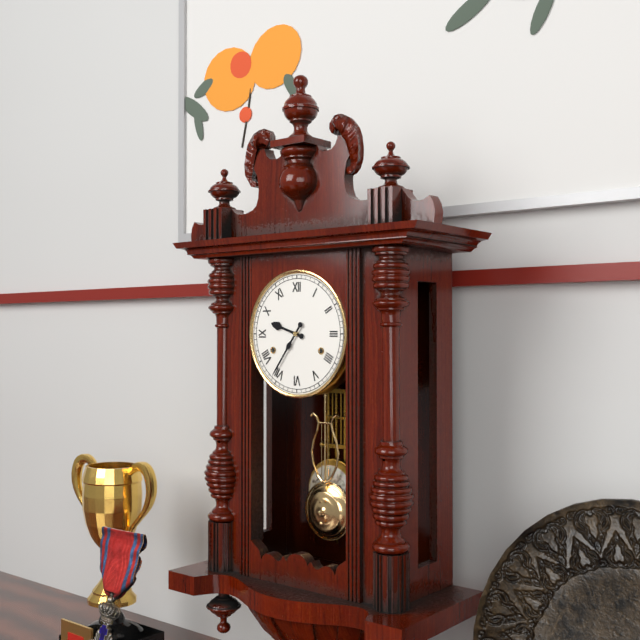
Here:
9 h 36 min
